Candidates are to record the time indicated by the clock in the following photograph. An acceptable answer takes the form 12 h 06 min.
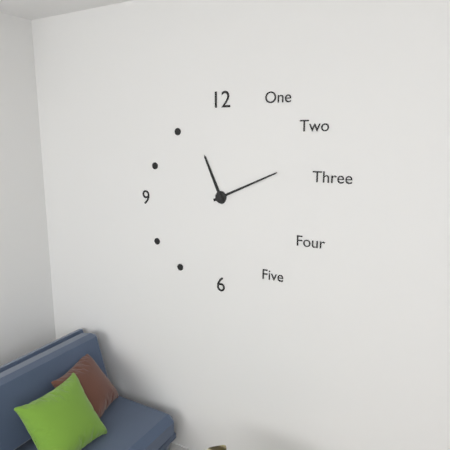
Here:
11 h 11 min
